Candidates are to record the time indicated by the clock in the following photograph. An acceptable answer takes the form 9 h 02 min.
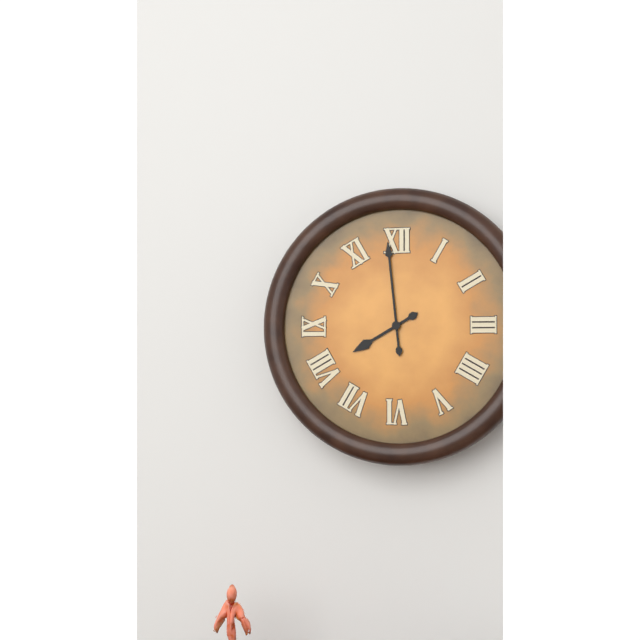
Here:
7 h 59 min
